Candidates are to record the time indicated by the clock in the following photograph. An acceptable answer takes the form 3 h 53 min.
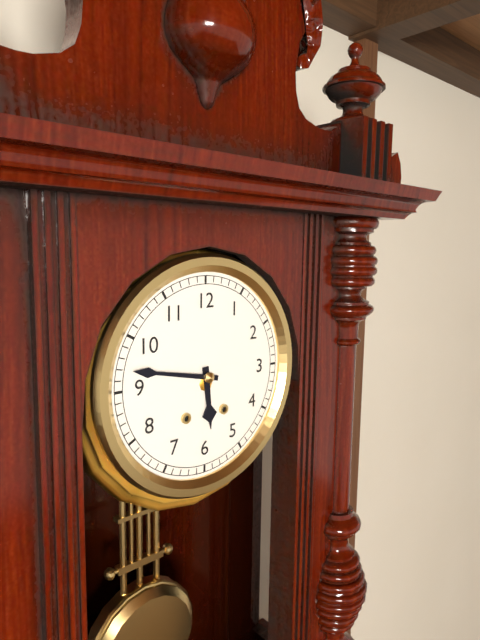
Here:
5 h 47 min
